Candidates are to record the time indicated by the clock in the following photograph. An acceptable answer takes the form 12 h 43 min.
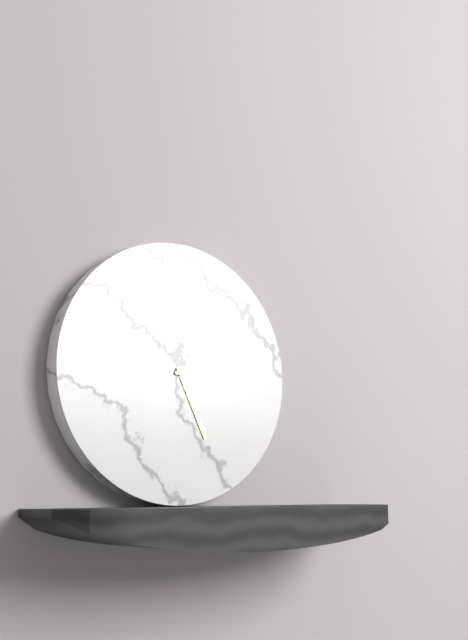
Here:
5 h 10 min
